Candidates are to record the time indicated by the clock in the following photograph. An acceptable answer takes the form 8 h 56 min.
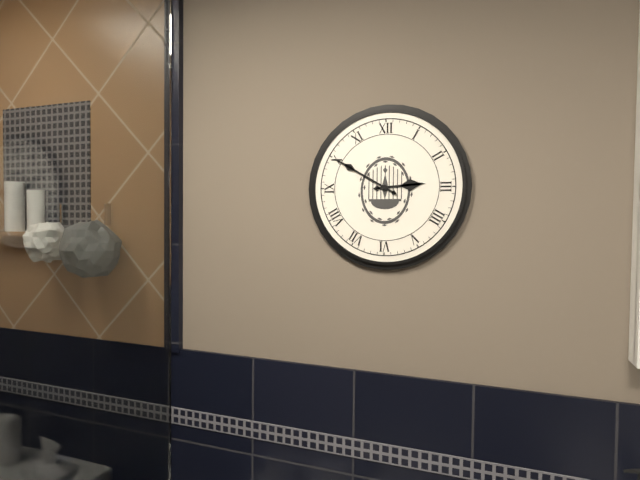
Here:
2 h 50 min
